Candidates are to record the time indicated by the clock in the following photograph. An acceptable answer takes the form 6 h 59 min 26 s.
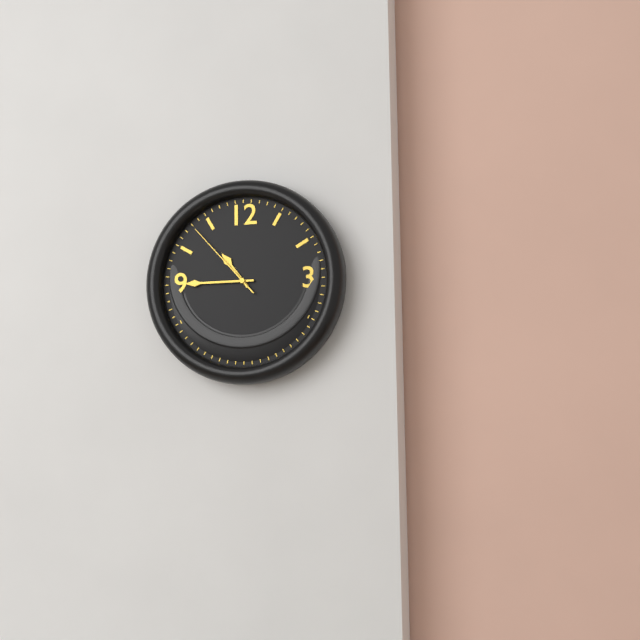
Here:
10 h 45 min 53 s
